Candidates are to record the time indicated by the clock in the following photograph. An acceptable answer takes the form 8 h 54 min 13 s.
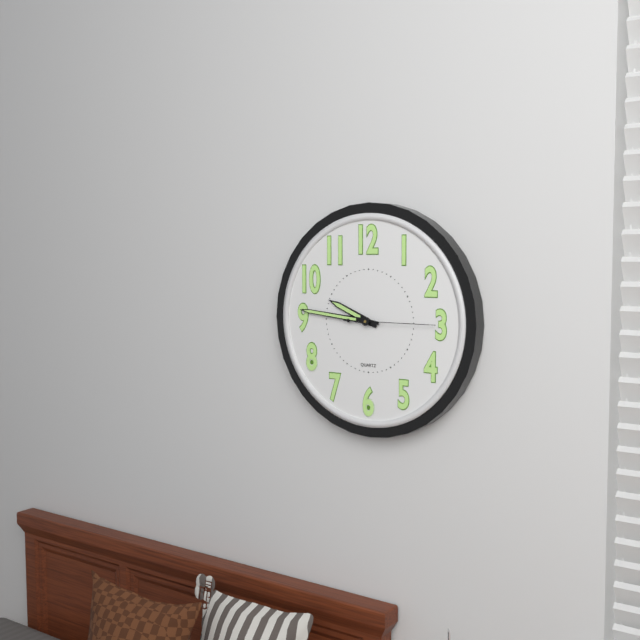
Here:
9 h 46 min 15 s
